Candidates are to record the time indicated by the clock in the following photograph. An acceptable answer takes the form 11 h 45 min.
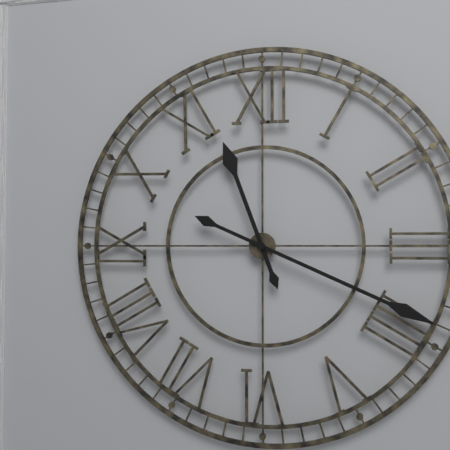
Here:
11 h 19 min
